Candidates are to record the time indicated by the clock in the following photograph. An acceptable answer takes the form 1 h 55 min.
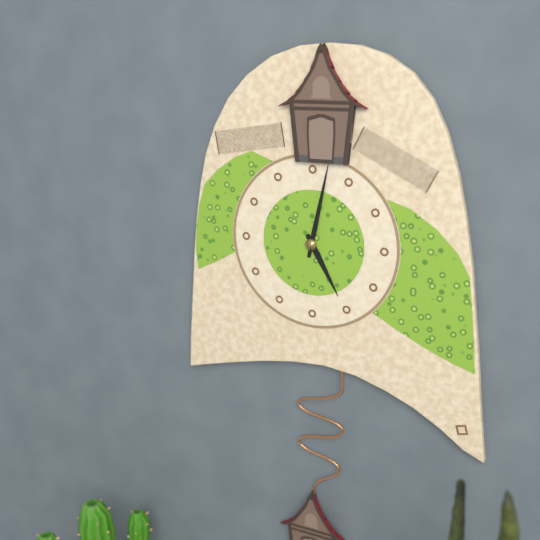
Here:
5 h 02 min
